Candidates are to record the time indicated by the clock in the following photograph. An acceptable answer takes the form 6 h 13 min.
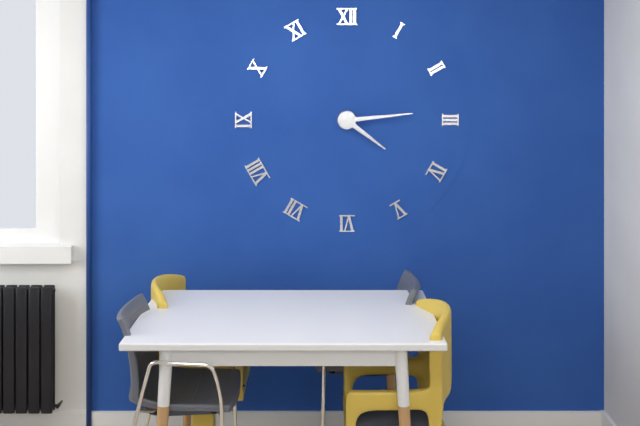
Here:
4 h 14 min
